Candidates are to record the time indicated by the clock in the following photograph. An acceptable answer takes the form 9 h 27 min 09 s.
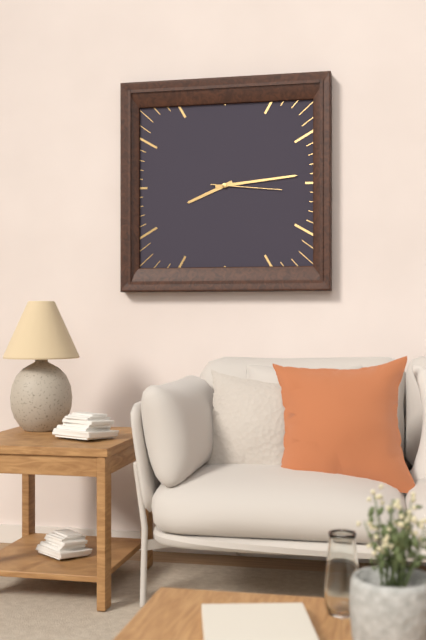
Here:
8 h 14 min 16 s
